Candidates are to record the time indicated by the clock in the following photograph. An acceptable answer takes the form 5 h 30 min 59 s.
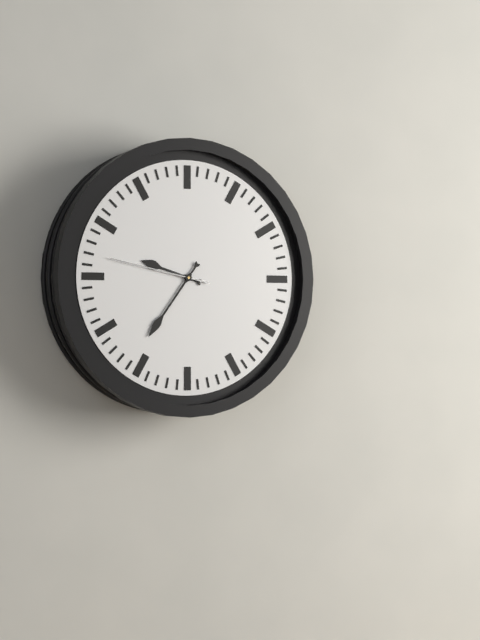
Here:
9 h 36 min 47 s
